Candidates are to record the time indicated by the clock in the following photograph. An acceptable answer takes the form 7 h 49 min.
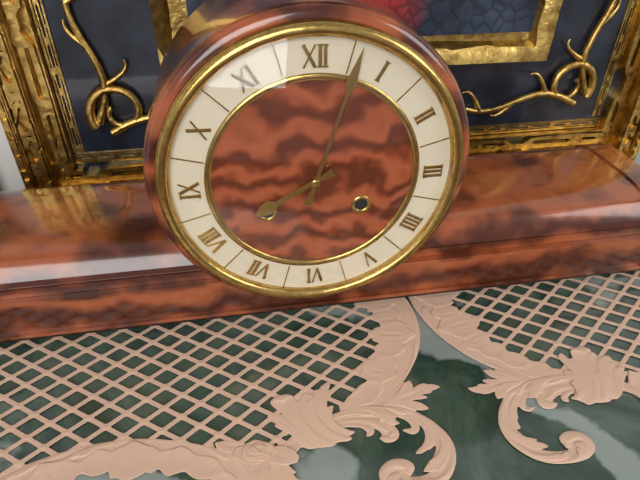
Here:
8 h 03 min
